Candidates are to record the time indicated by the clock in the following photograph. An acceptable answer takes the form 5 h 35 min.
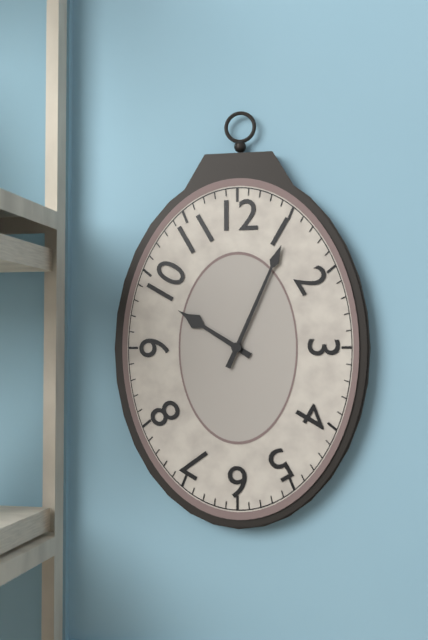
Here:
10 h 04 min
